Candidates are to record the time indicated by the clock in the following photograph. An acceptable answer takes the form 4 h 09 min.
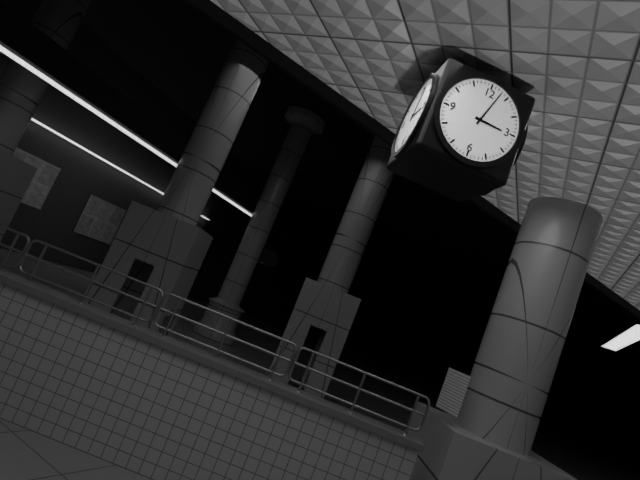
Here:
3 h 03 min
